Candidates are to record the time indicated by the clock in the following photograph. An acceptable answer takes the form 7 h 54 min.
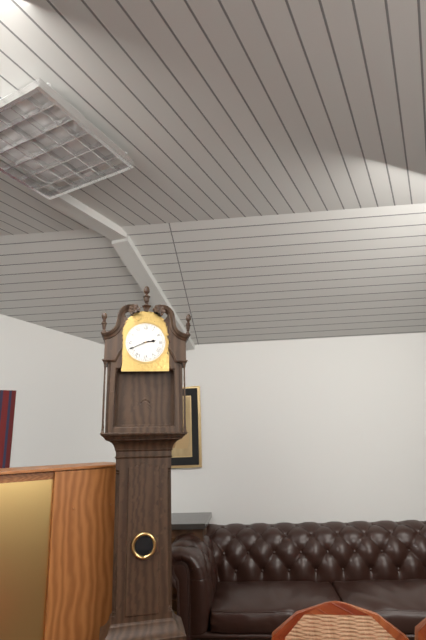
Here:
2 h 41 min
